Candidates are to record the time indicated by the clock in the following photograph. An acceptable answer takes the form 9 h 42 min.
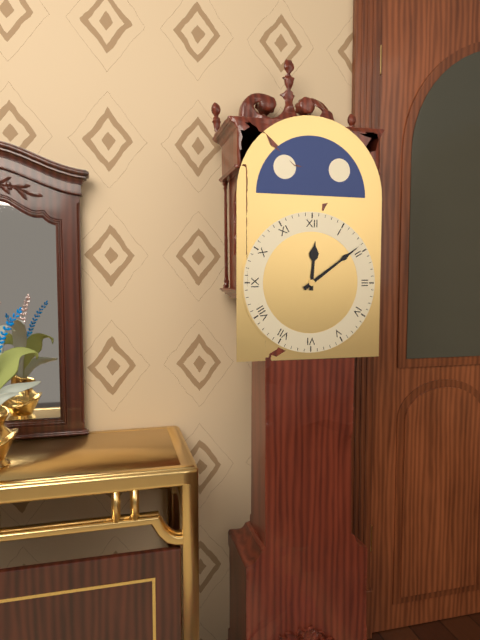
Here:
12 h 09 min
